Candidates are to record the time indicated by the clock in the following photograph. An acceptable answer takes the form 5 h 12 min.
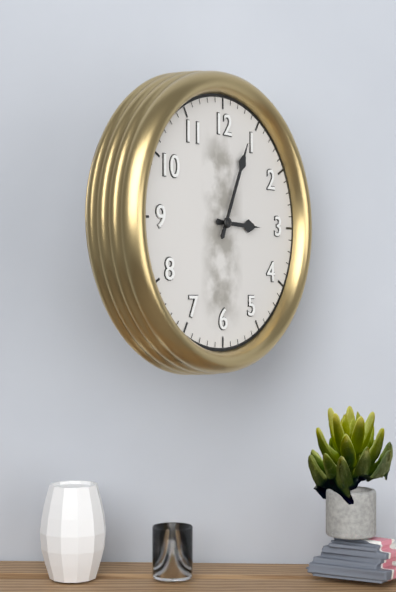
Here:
3 h 04 min
